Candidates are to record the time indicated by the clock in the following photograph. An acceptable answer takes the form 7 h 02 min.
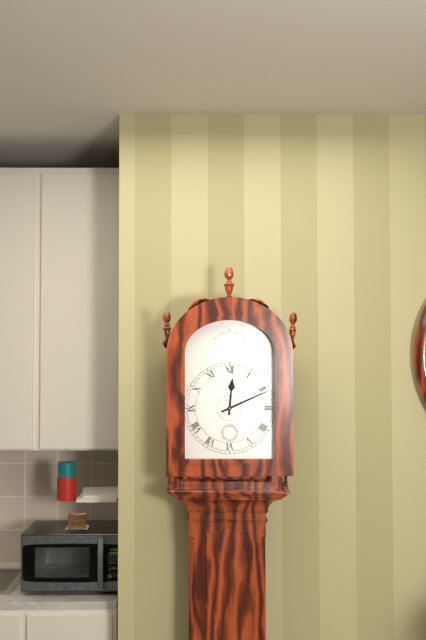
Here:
12 h 11 min
